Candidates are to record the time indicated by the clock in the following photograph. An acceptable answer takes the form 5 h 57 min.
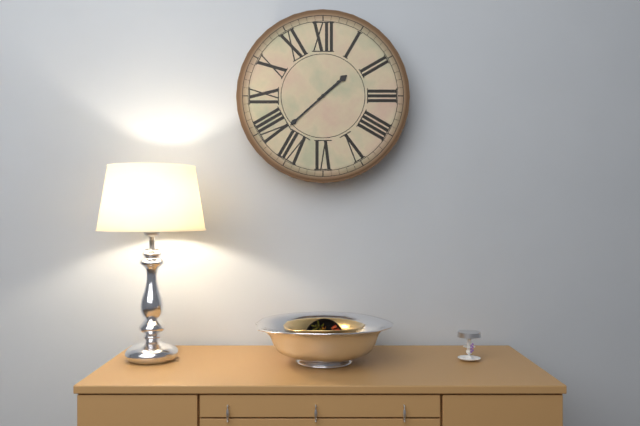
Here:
1 h 38 min
